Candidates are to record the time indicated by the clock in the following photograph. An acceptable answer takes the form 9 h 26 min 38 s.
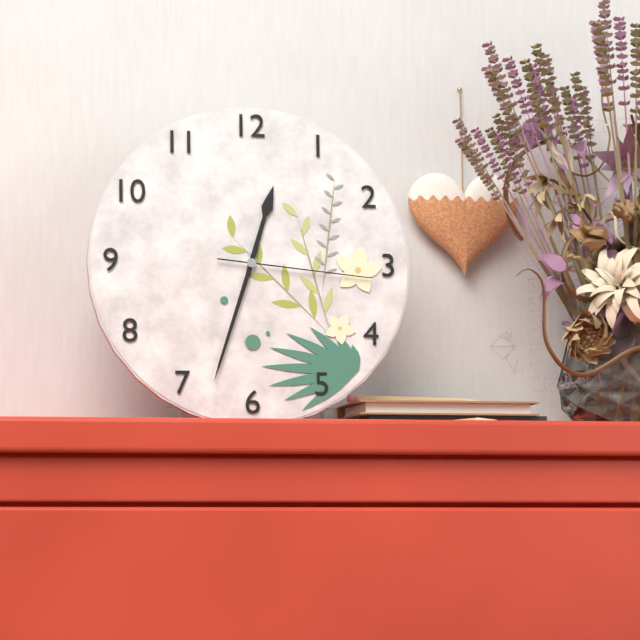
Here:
12 h 33 min 16 s
